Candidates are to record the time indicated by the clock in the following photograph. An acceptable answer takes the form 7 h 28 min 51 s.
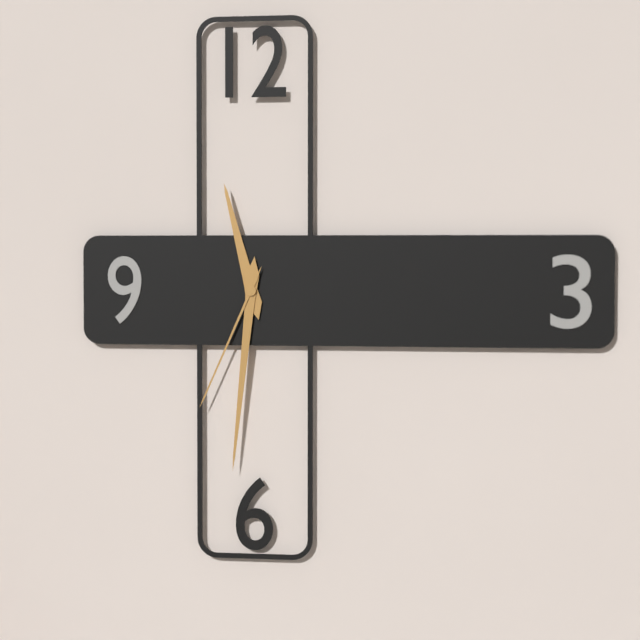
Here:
11 h 31 min 34 s
